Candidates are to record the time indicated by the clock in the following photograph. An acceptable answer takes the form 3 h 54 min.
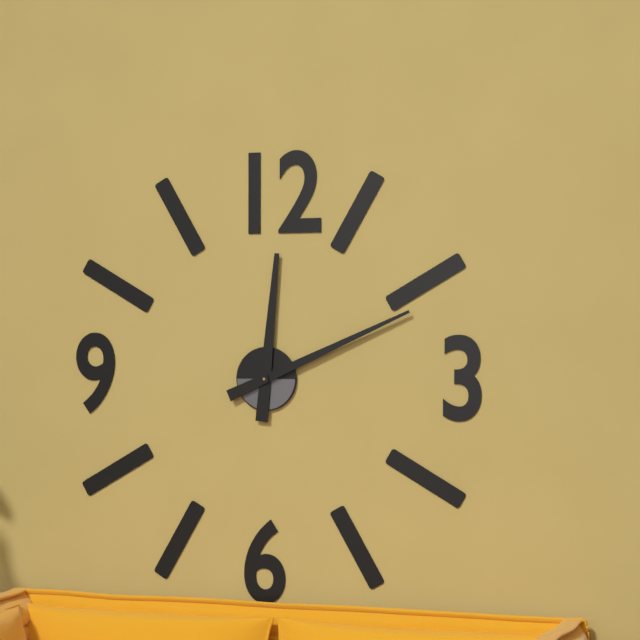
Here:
12 h 11 min
